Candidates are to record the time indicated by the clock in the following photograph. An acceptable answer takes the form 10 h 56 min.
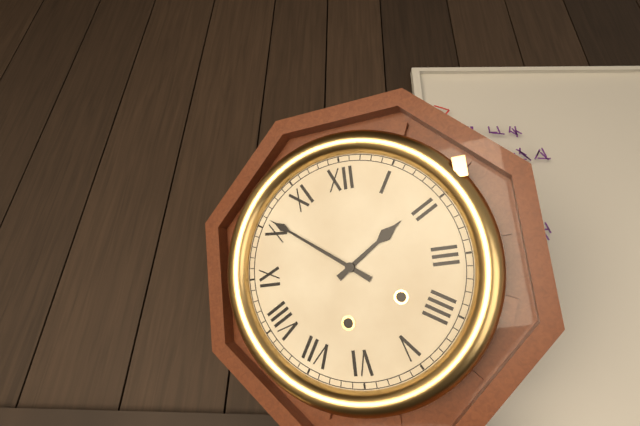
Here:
1 h 51 min
